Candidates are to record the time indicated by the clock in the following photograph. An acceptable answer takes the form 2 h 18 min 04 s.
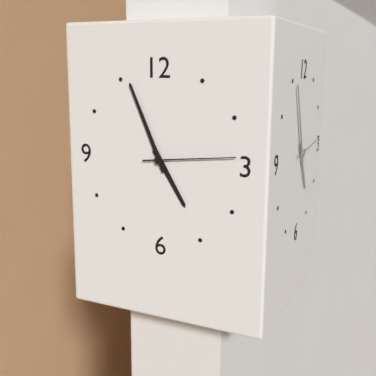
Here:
4 h 56 min 14 s
